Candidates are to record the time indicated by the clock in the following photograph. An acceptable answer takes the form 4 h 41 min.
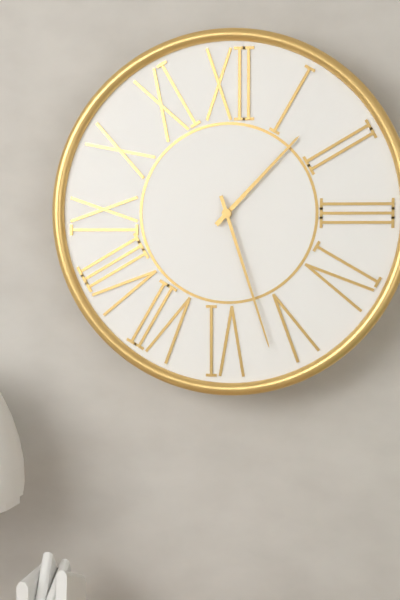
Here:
1 h 27 min
